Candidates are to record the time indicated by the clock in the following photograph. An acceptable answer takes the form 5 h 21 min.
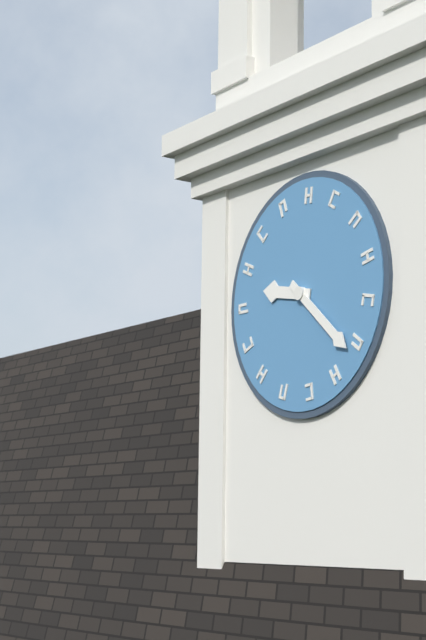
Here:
9 h 22 min
